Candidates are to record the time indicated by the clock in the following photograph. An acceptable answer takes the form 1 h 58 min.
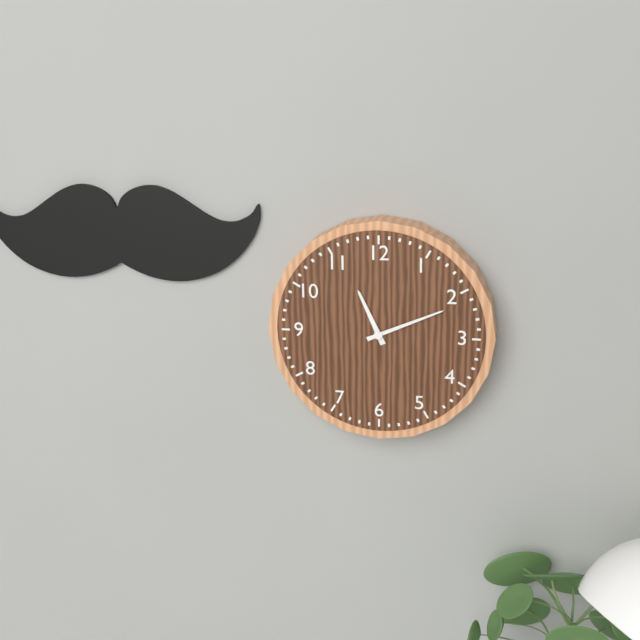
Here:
11 h 11 min
